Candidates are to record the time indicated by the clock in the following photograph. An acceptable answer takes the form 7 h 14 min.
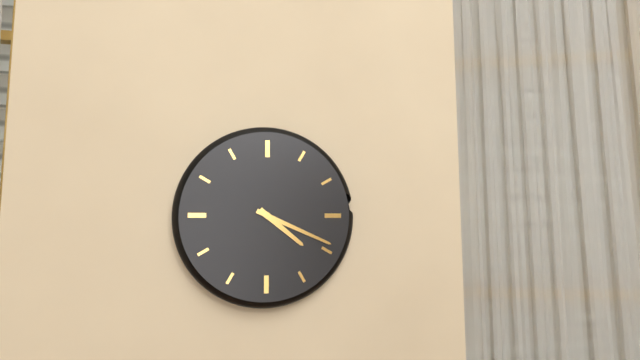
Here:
4 h 19 min
